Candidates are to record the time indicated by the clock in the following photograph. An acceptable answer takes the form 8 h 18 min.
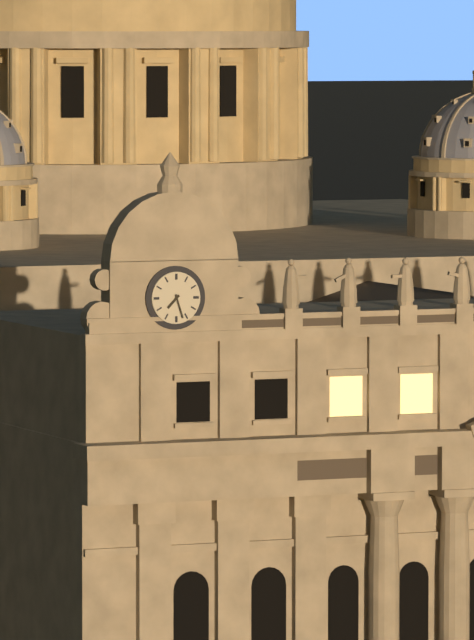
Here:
7 h 27 min
